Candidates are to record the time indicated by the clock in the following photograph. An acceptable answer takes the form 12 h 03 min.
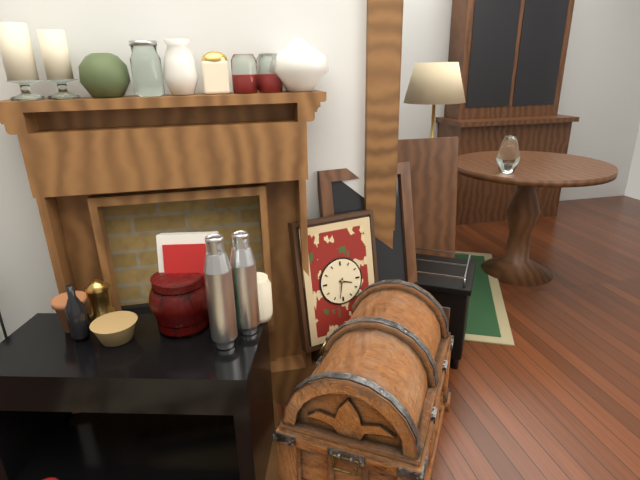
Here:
3 h 32 min
